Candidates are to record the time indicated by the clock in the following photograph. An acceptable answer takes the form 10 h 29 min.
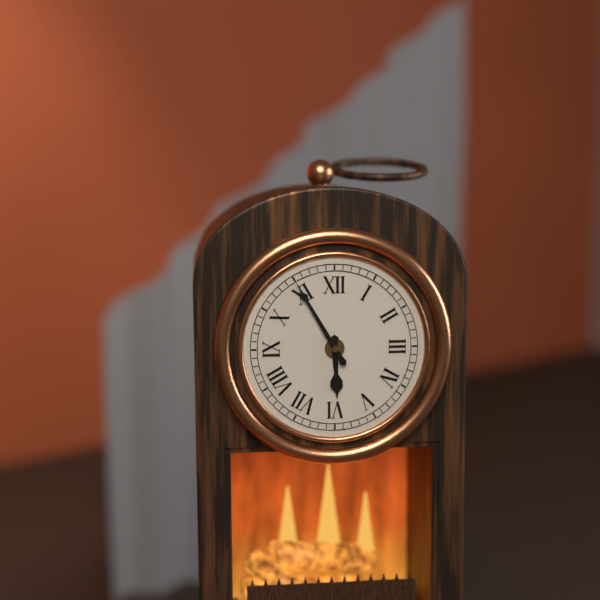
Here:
5 h 55 min
